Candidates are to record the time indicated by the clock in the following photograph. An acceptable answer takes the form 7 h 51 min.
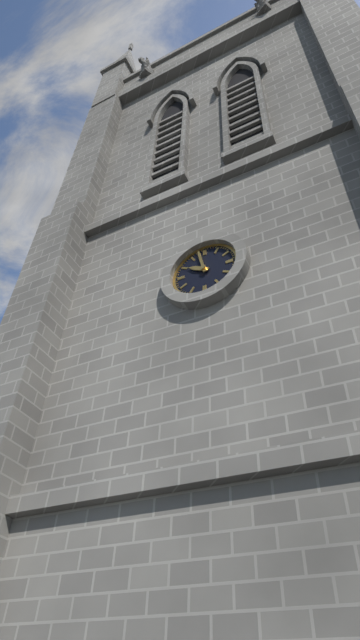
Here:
9 h 58 min
